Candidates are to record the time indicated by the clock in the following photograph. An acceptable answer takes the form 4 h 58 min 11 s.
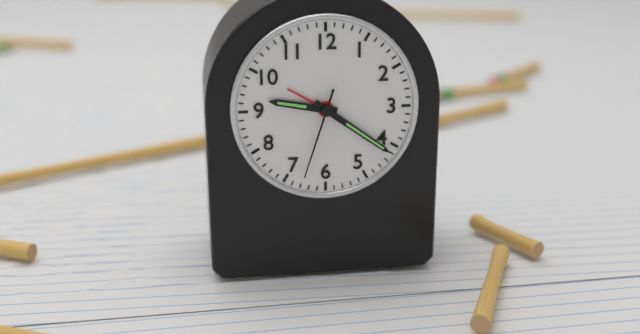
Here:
9 h 21 min 33 s
